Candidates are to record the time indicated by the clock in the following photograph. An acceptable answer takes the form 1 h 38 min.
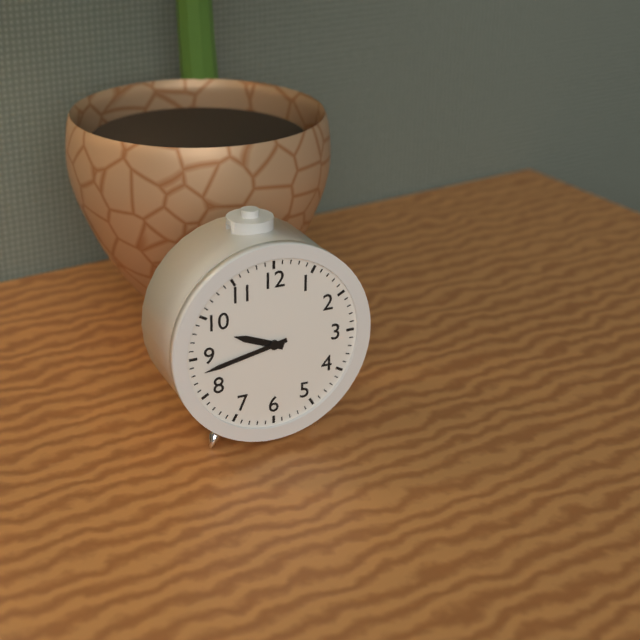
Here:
9 h 43 min
